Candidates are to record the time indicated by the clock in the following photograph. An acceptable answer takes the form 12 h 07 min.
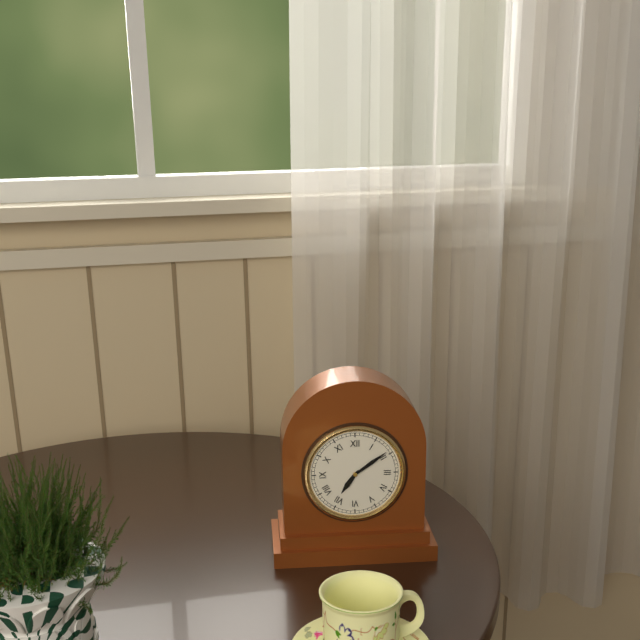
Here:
7 h 09 min
